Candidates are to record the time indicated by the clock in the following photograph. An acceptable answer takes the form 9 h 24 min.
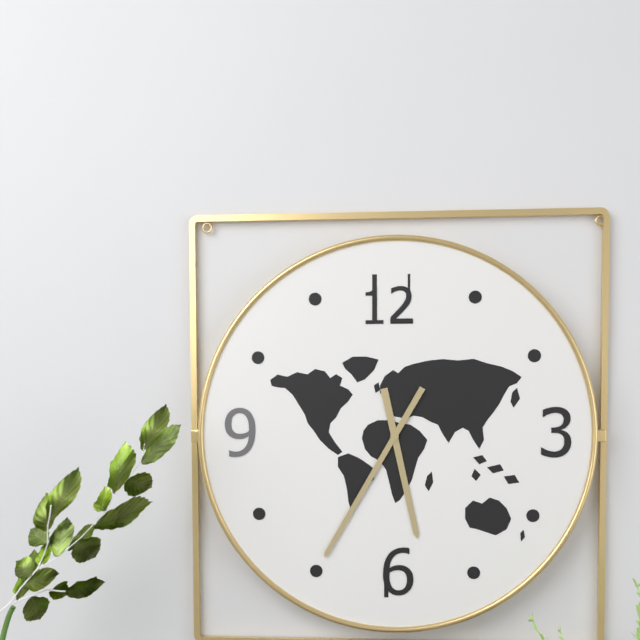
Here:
5 h 35 min
